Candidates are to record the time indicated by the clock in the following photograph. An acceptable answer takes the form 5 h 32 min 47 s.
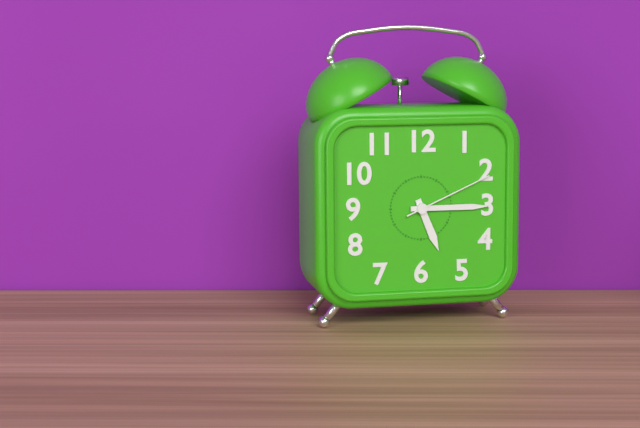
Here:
5 h 15 min 11 s
